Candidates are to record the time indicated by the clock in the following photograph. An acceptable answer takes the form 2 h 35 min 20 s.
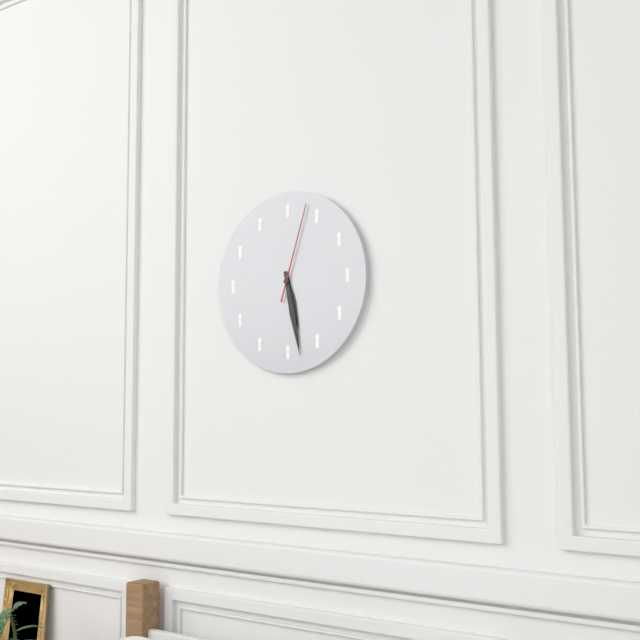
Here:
5 h 28 min 03 s
